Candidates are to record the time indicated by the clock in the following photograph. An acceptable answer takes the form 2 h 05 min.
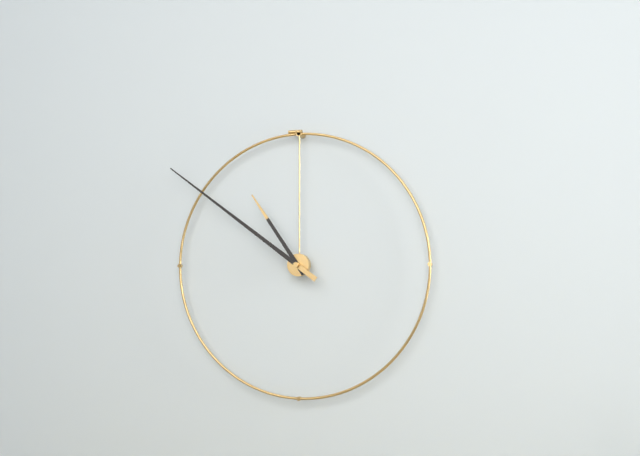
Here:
10 h 51 min
